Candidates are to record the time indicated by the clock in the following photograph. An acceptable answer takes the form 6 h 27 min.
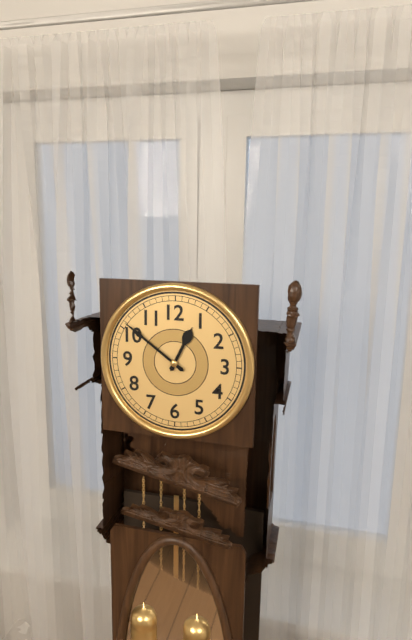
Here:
12 h 51 min
